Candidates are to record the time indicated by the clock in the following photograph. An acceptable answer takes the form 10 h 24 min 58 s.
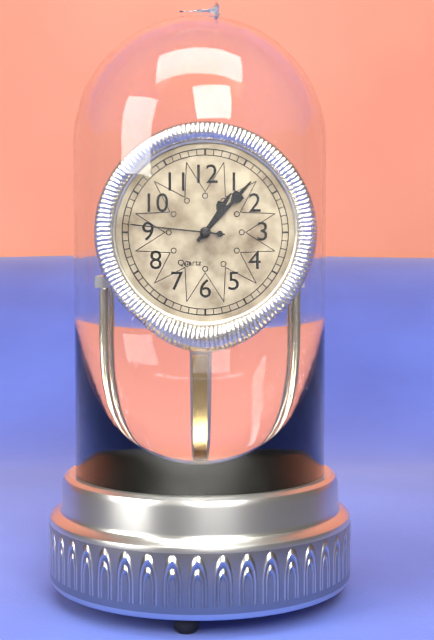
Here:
1 h 07 min 46 s
